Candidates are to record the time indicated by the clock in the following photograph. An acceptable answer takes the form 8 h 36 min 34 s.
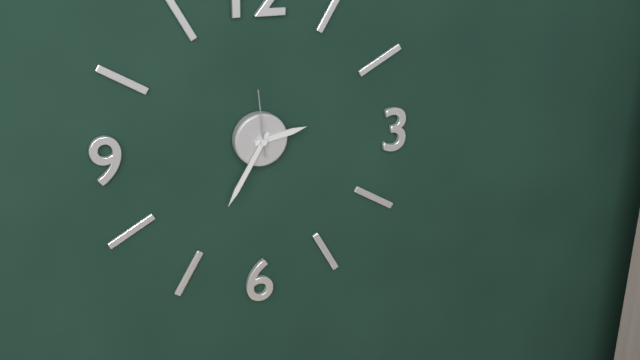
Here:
2 h 35 min 59 s
